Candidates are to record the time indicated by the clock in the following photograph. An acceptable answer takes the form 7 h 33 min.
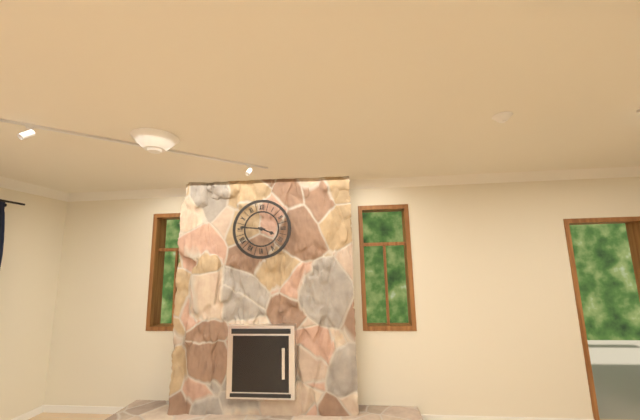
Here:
3 h 46 min
